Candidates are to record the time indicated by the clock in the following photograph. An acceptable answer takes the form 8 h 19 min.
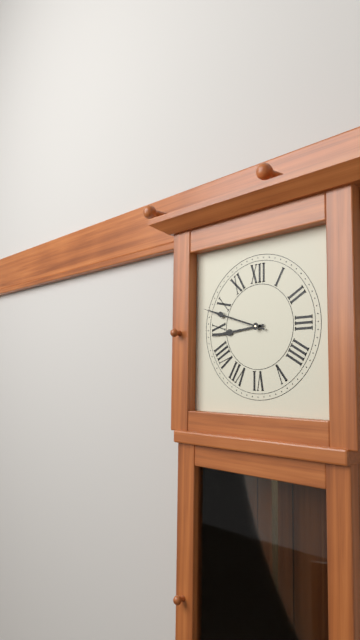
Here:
8 h 48 min
